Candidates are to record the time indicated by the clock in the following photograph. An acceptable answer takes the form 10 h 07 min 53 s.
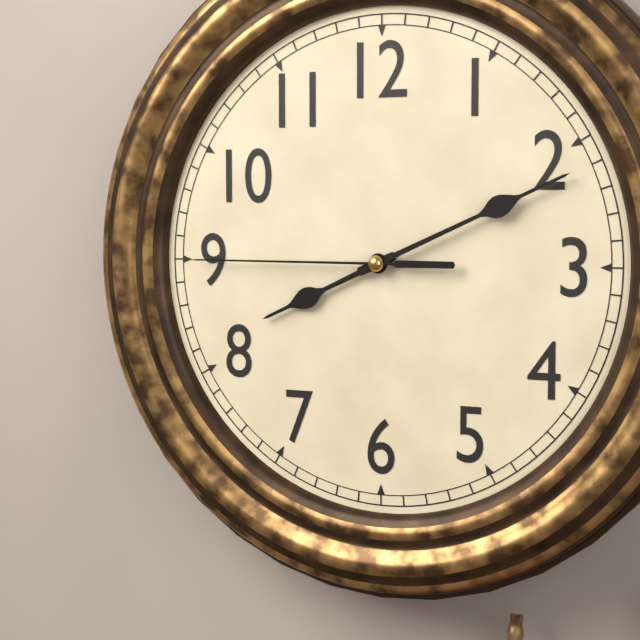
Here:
8 h 11 min 45 s
